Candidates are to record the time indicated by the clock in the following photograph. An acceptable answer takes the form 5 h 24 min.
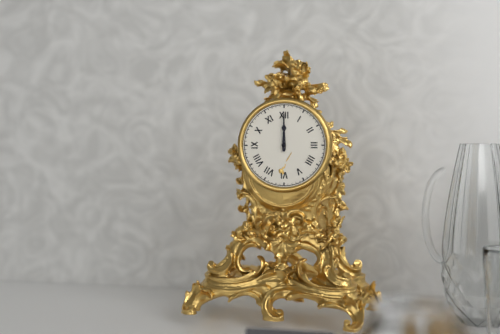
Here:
12 h 00 min
